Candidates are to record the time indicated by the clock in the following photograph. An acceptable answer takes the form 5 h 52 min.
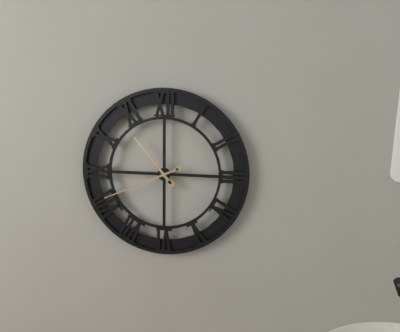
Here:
10 h 41 min
